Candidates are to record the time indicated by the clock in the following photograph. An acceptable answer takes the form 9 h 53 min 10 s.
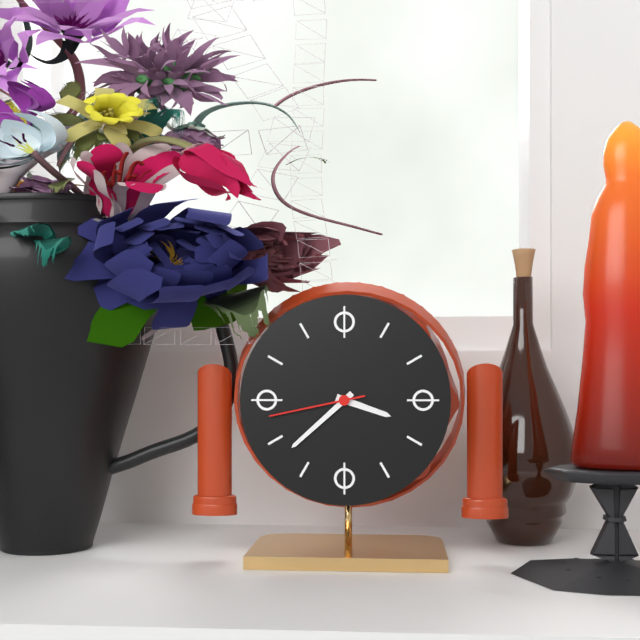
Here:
3 h 38 min 43 s
